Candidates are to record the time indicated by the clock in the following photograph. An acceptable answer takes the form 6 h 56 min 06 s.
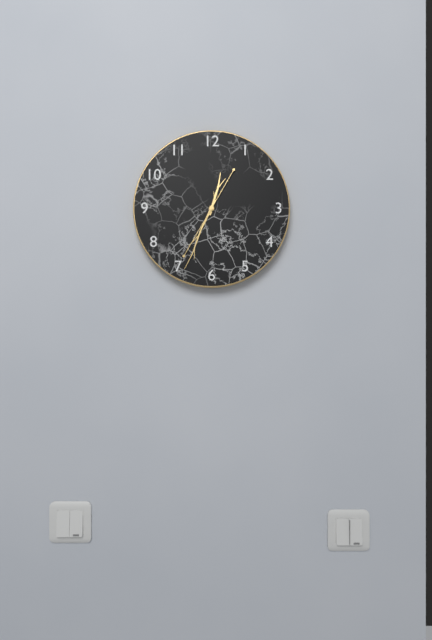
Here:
12 h 34 min 35 s
